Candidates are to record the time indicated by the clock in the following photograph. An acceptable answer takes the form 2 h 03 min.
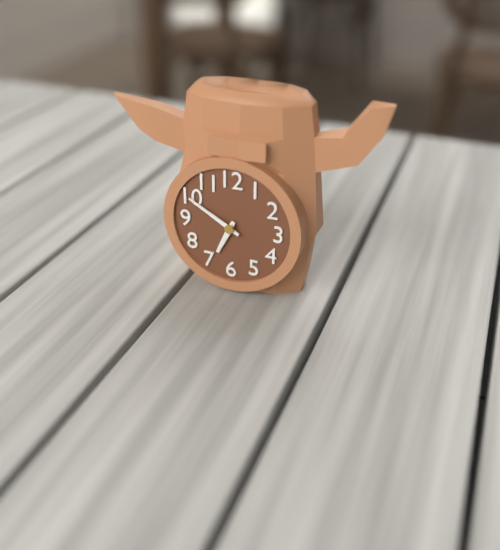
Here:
6 h 50 min
